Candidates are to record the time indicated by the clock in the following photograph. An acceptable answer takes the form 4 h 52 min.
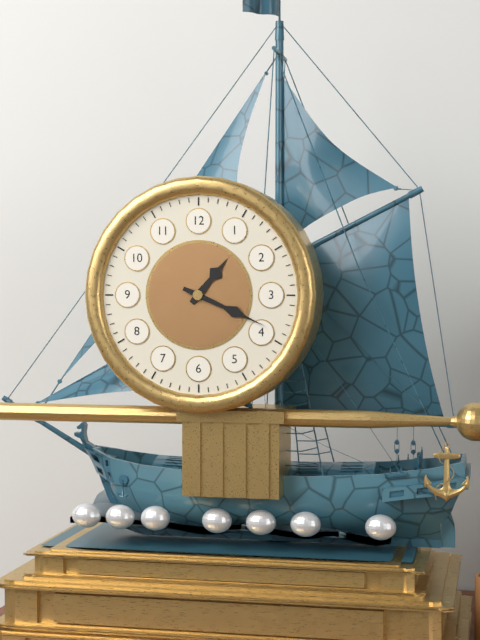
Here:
1 h 19 min
